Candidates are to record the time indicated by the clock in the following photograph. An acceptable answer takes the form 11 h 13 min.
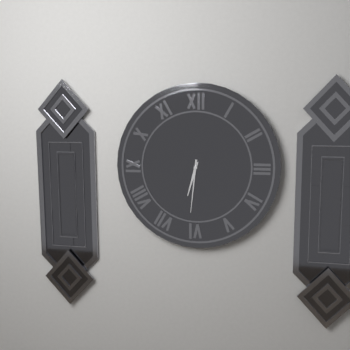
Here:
6 h 31 min
